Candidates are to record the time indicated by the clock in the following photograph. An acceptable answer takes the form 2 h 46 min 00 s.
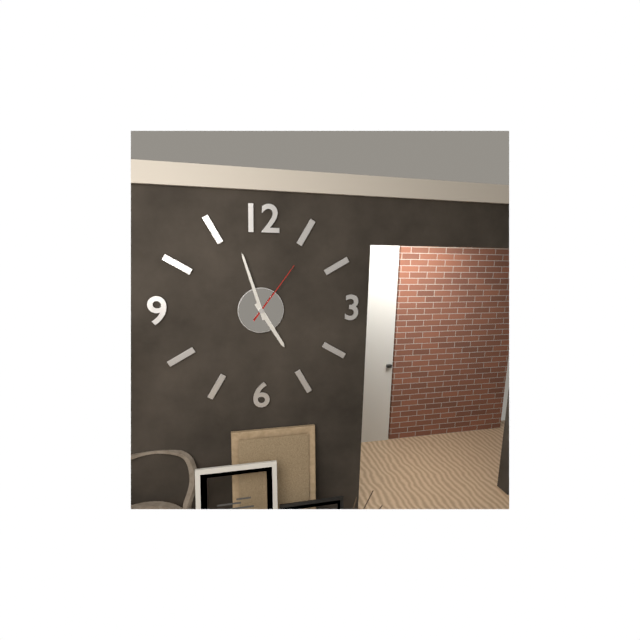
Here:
4 h 57 min 06 s
